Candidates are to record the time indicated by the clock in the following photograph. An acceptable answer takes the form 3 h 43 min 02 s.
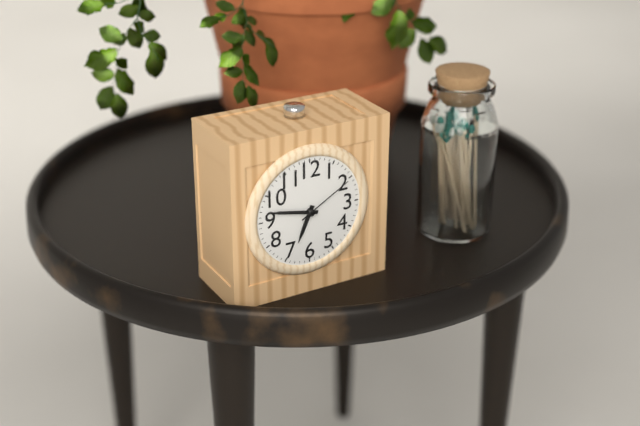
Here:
6 h 47 min 10 s
